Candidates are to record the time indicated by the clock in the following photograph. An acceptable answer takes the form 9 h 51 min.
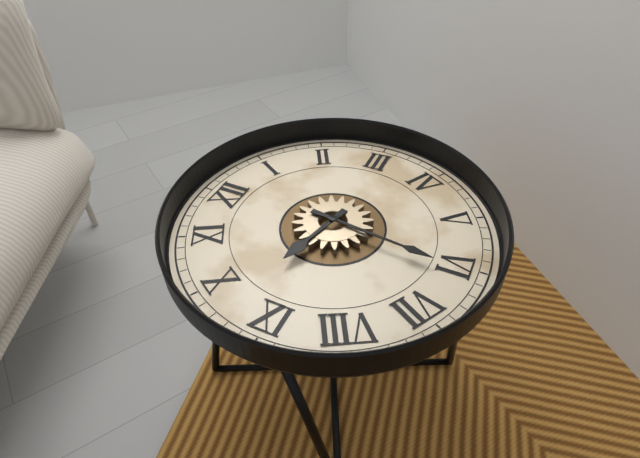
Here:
9 h 31 min
